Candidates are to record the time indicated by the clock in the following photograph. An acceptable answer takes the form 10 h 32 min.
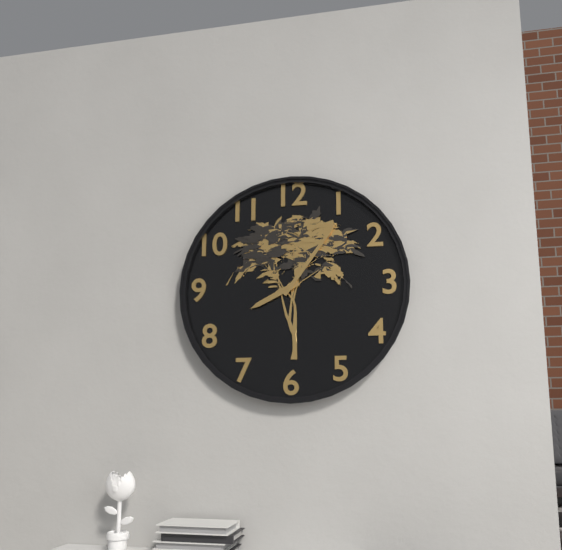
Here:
8 h 06 min
